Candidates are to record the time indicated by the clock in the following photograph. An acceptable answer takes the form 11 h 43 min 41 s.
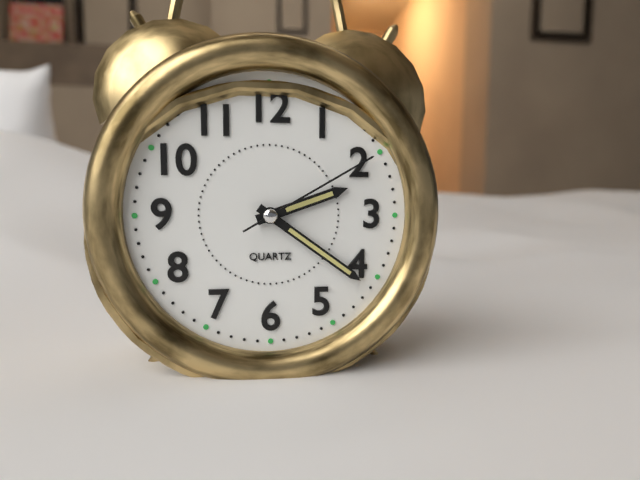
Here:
2 h 21 min 10 s
